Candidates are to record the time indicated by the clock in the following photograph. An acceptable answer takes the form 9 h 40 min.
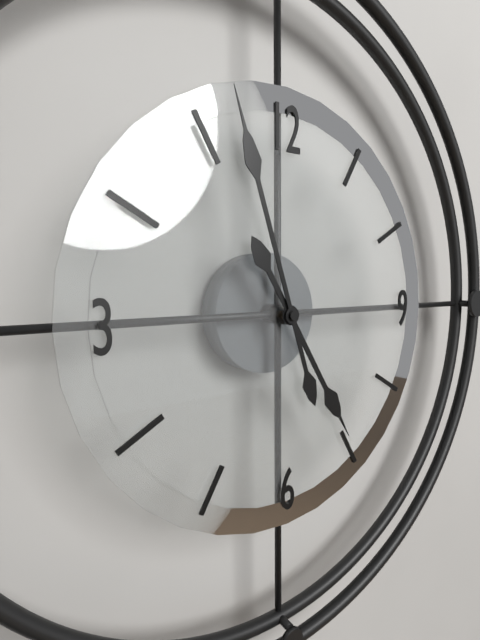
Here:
4 h 57 min
